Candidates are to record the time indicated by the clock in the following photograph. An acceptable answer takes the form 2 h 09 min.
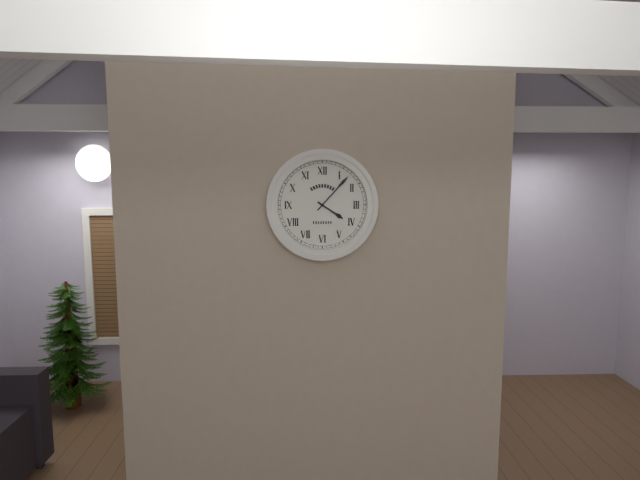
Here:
4 h 07 min
